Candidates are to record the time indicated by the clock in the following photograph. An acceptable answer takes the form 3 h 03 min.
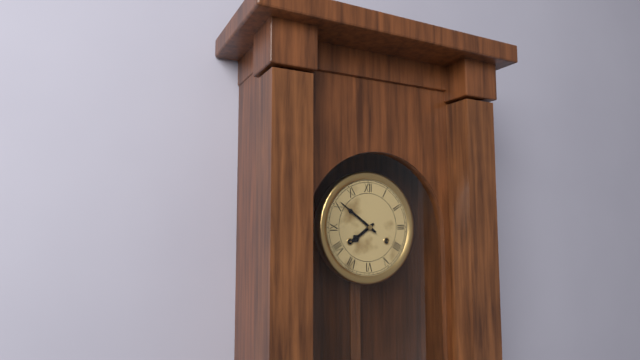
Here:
7 h 51 min
